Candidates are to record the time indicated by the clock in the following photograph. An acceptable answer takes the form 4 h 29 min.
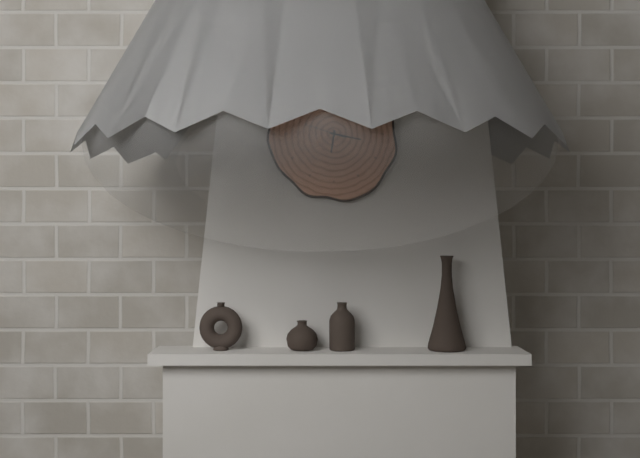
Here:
6 h 17 min
